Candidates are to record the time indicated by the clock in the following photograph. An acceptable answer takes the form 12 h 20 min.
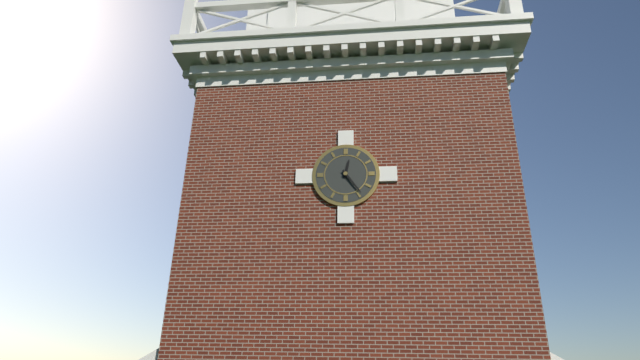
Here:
12 h 24 min
